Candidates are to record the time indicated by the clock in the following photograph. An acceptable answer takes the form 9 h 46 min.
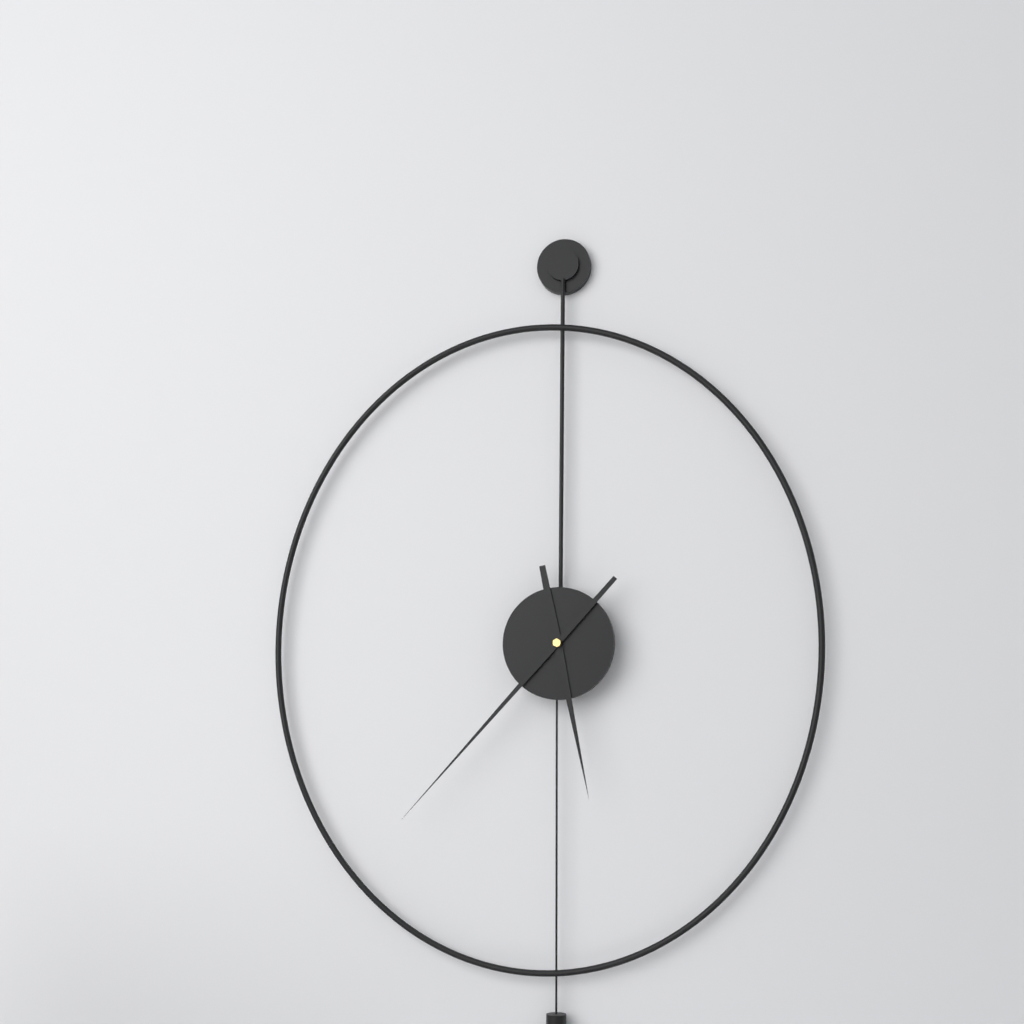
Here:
5 h 37 min
